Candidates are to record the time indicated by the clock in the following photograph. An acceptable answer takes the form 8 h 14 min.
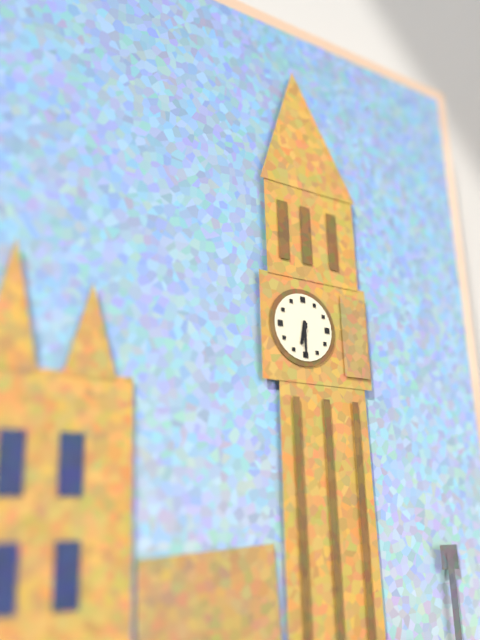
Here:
6 h 30 min
